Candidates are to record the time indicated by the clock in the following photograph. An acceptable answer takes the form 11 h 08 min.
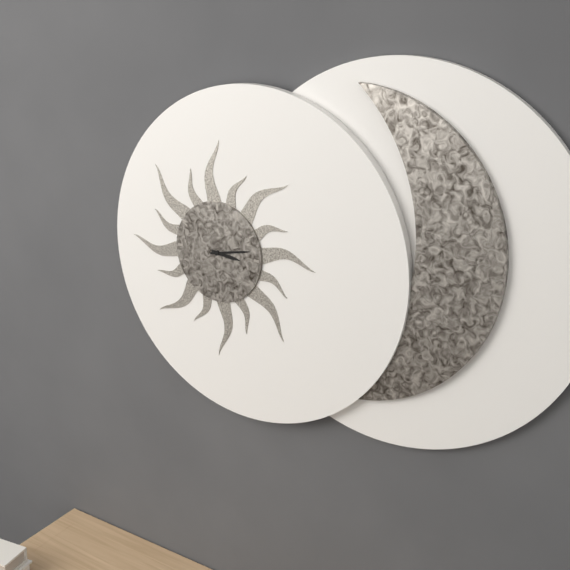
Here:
3 h 13 min
